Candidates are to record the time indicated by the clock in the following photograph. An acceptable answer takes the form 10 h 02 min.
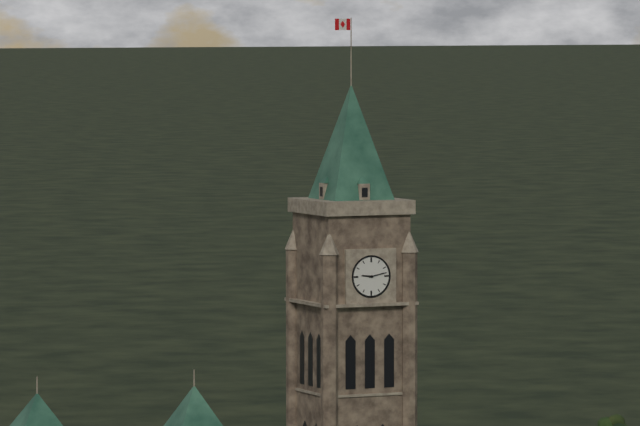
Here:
9 h 13 min
